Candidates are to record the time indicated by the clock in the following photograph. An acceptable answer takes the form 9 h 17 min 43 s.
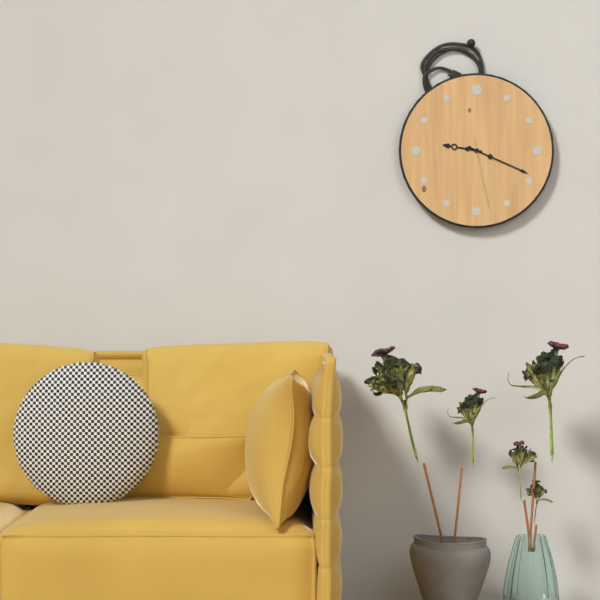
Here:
9 h 19 min 28 s
